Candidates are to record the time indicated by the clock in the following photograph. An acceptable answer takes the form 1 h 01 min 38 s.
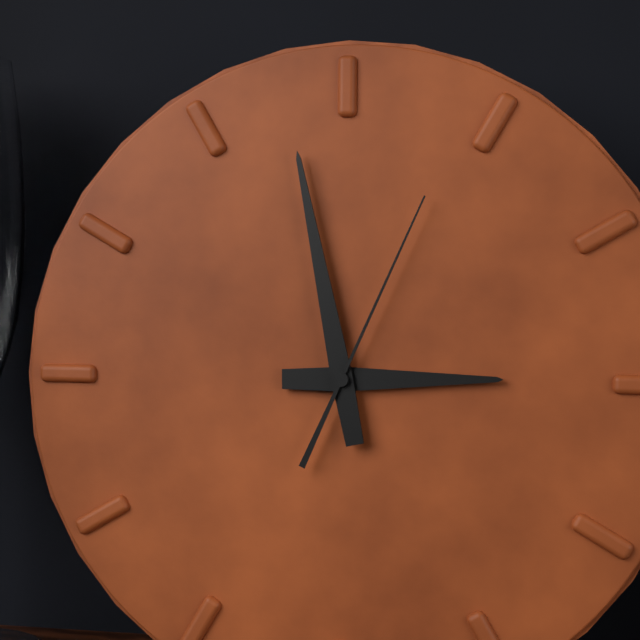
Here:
2 h 58 min 04 s
